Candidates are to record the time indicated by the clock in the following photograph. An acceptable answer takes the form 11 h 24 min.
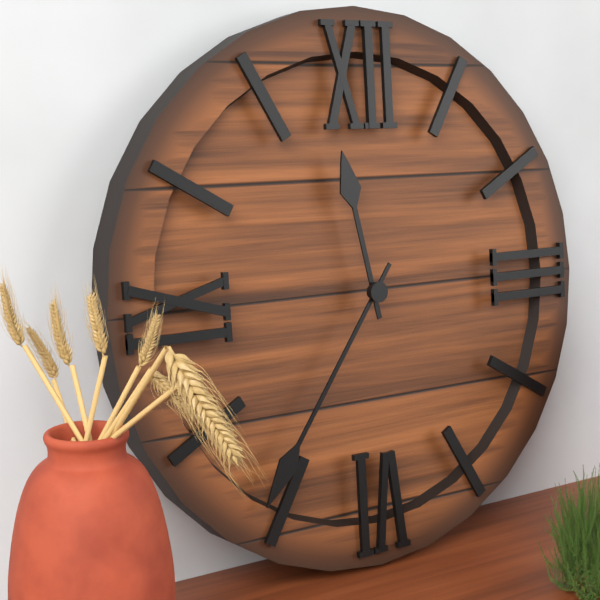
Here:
11 h 36 min
